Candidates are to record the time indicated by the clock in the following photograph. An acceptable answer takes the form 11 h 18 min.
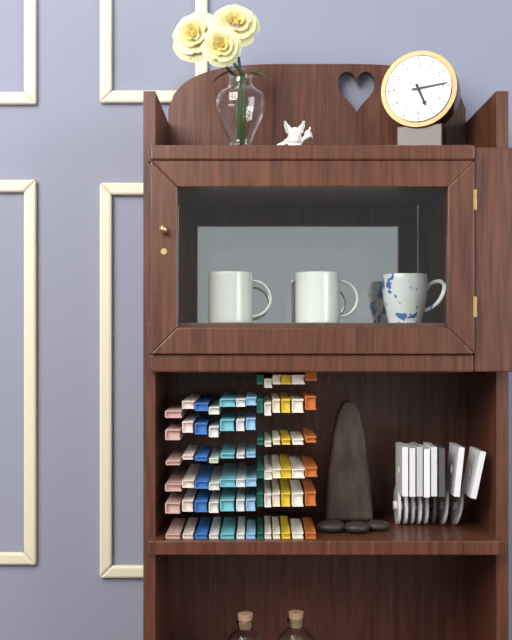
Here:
5 h 14 min
